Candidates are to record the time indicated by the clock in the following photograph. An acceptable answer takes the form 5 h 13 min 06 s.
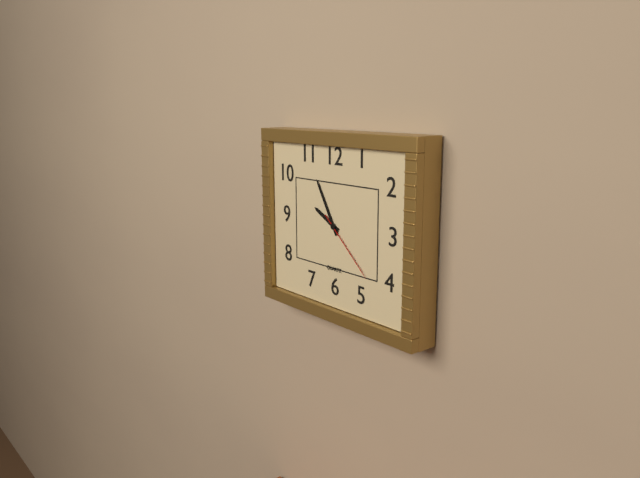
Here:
9 h 55 min 22 s
